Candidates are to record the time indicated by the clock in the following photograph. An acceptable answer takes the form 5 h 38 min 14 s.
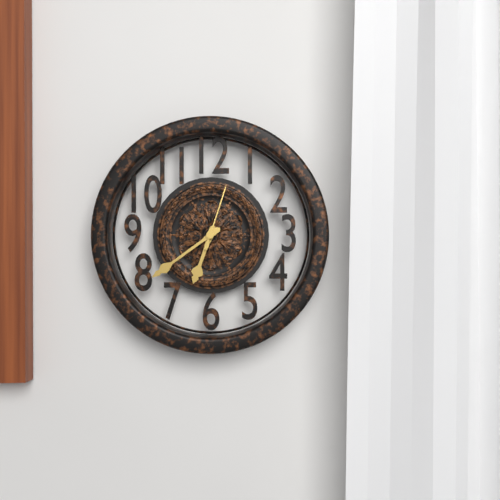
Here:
6 h 39 min 03 s
